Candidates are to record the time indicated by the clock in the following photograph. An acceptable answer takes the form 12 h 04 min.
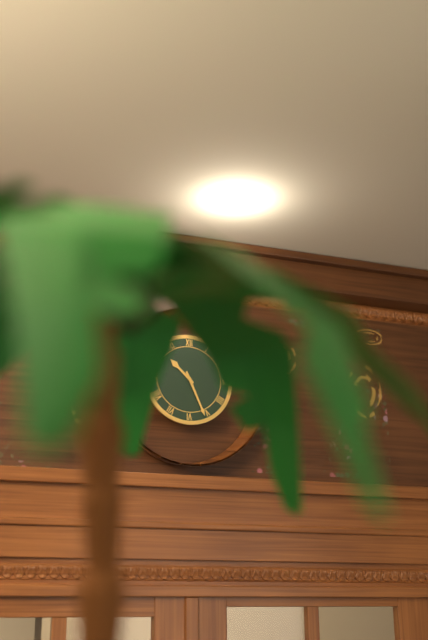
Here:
10 h 26 min
